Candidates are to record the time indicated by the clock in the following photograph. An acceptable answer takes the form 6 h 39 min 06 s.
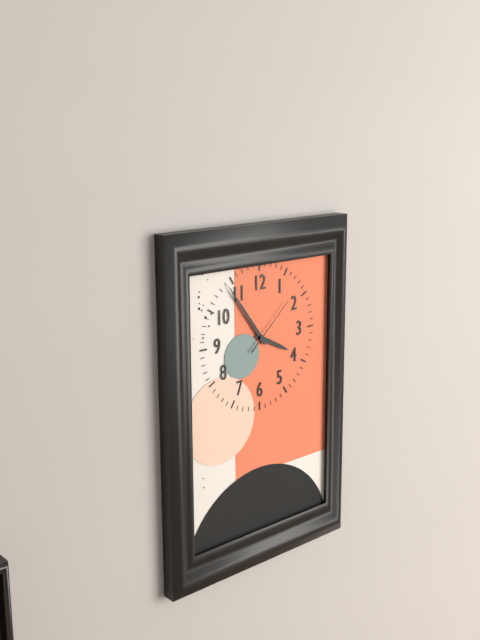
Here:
3 h 54 min 08 s
